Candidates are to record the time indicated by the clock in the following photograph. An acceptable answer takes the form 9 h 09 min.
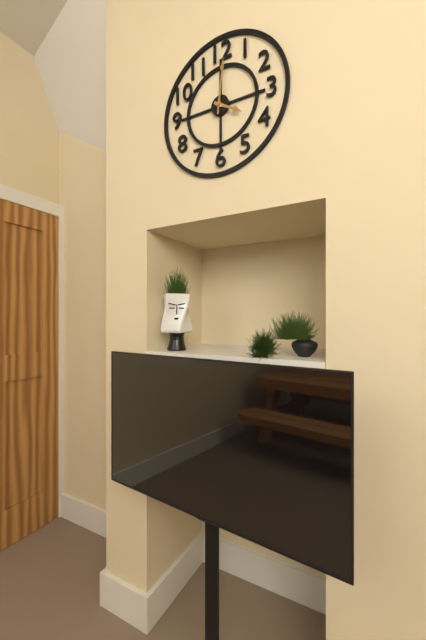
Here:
4 h 01 min
